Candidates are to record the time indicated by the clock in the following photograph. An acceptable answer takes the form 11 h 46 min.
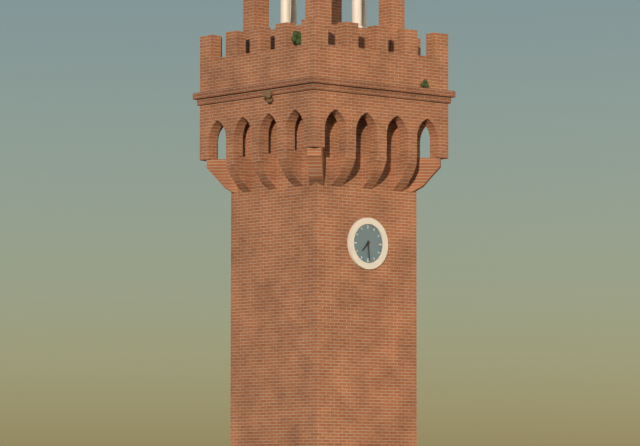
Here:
7 h 29 min
